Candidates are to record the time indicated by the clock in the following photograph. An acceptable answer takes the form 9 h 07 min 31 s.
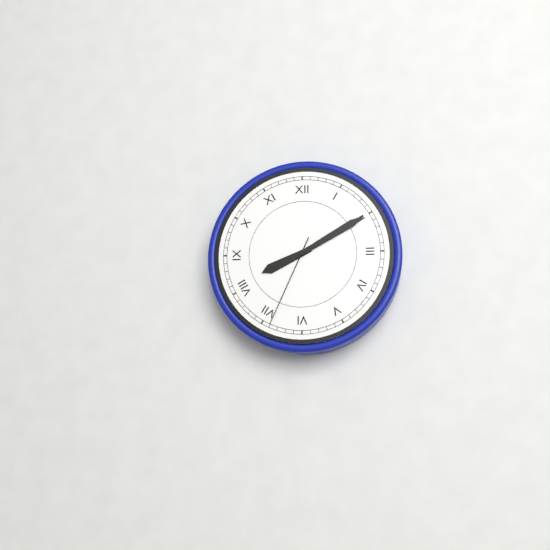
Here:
8 h 10 min 34 s
